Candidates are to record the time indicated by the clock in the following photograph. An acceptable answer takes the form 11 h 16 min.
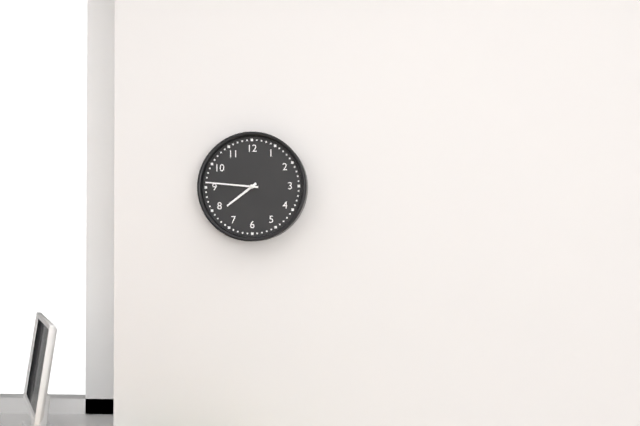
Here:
7 h 46 min
